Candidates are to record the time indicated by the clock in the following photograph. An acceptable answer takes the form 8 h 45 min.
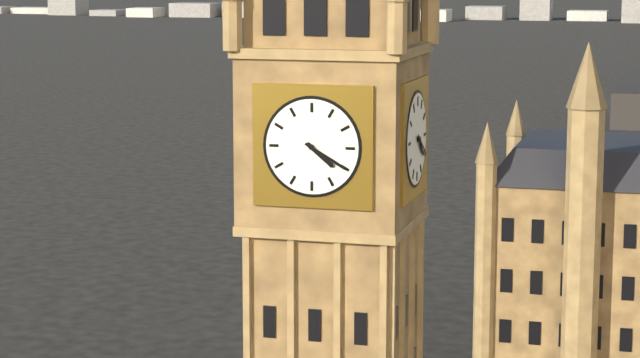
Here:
4 h 20 min
